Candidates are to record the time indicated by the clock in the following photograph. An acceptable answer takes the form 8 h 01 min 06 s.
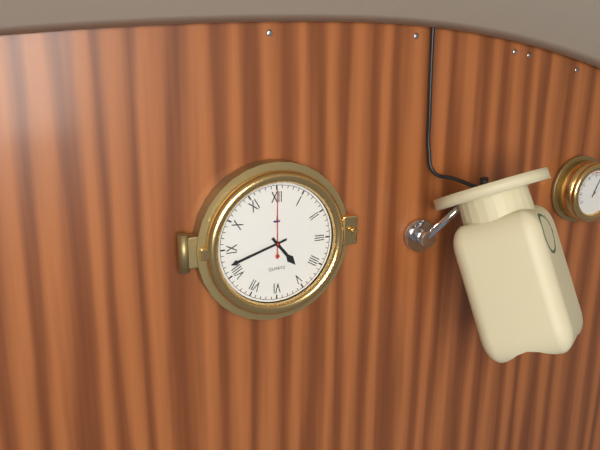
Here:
4 h 42 min 00 s
